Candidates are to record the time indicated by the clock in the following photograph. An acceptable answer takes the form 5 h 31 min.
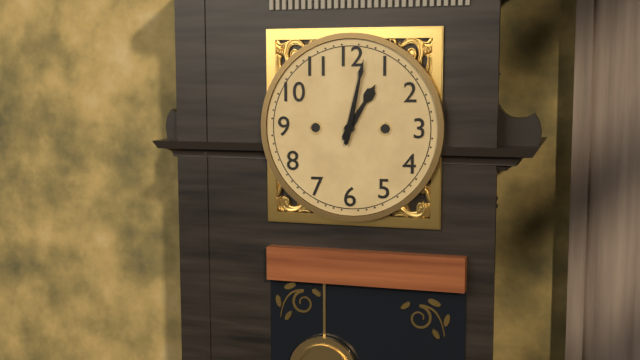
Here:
1 h 02 min
